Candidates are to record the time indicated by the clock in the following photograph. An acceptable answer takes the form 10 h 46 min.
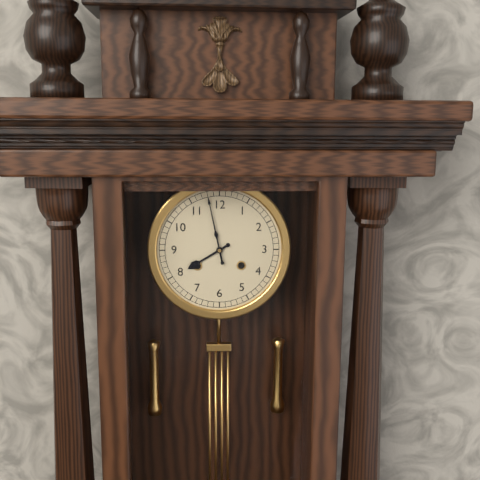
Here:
7 h 58 min
